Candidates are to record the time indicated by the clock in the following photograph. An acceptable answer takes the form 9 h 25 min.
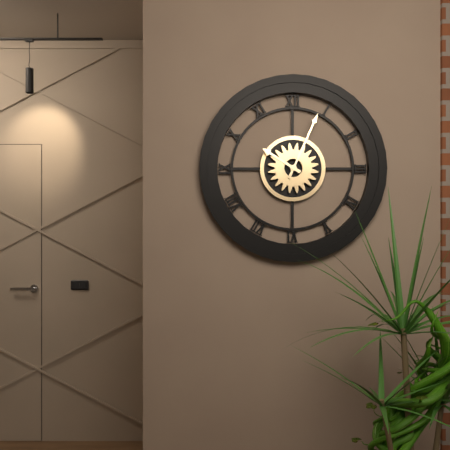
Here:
10 h 04 min
